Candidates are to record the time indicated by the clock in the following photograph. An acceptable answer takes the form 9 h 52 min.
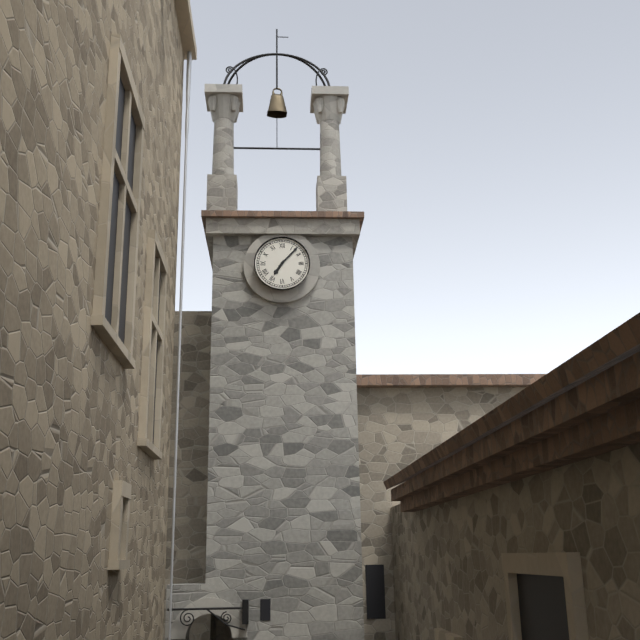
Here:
7 h 07 min
